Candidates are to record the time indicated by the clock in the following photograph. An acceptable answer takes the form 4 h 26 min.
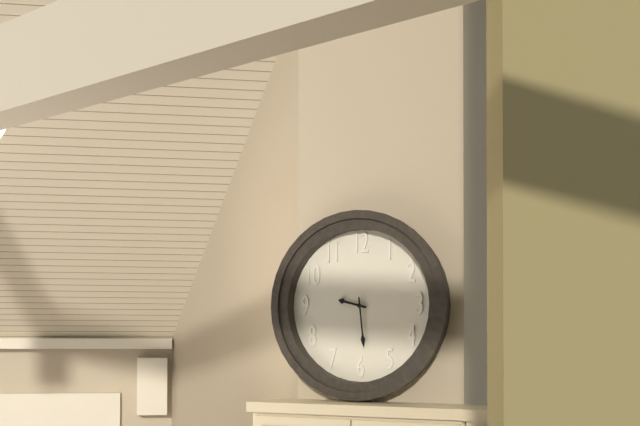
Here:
9 h 29 min
